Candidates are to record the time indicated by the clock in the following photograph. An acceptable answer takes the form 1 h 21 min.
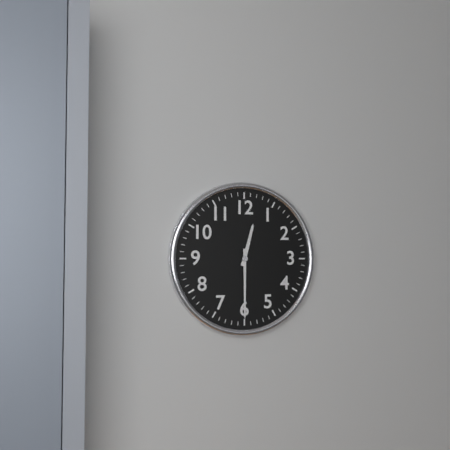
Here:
12 h 30 min
